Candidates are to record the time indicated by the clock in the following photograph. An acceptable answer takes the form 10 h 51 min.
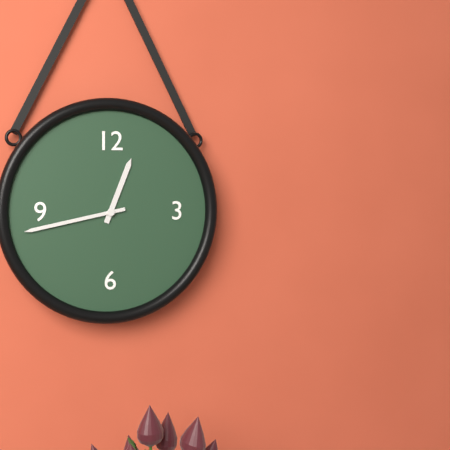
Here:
12 h 43 min
